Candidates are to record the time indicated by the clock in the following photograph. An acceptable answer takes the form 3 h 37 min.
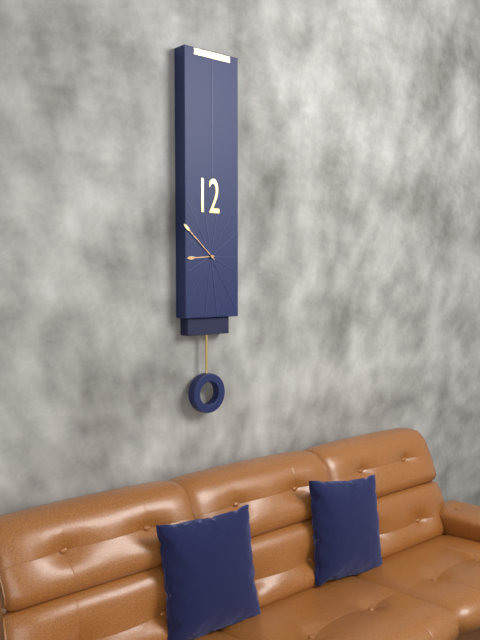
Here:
8 h 52 min
